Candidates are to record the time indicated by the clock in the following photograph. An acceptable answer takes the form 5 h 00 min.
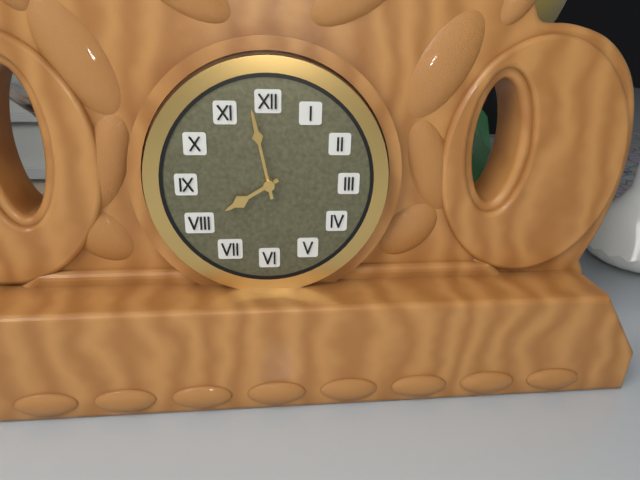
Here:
7 h 58 min
